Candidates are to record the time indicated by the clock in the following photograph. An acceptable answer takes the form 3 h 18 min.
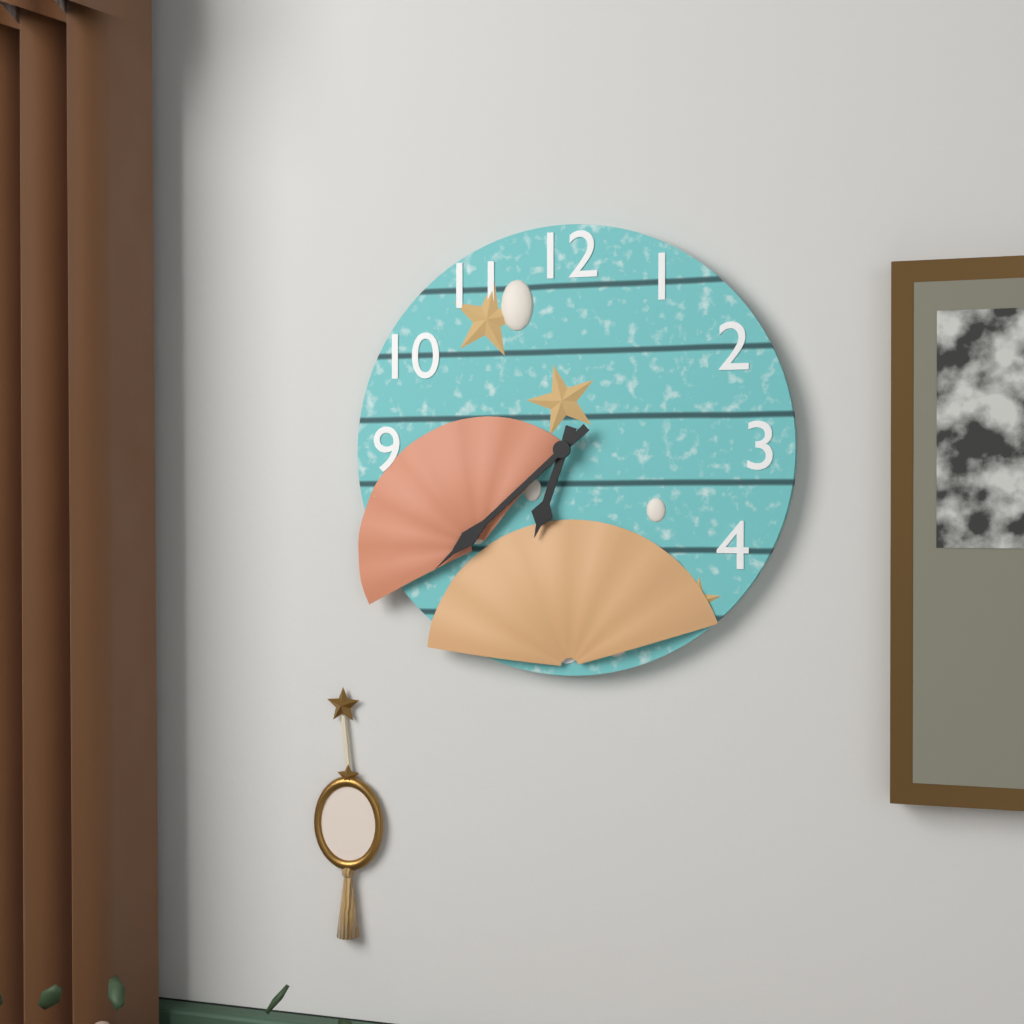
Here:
6 h 38 min
